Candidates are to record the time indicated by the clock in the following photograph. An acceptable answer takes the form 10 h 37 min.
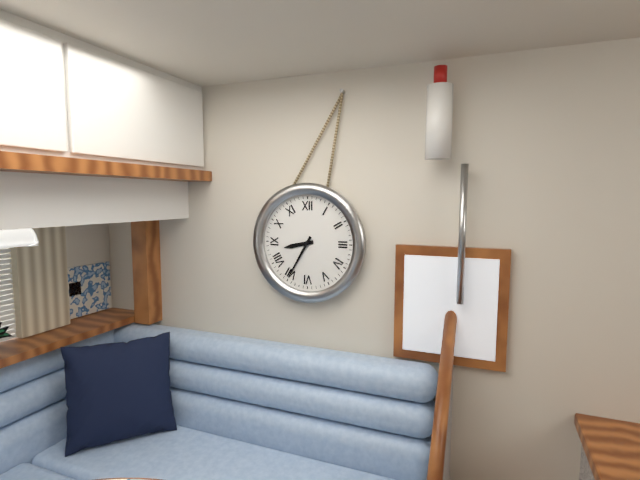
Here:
8 h 35 min
